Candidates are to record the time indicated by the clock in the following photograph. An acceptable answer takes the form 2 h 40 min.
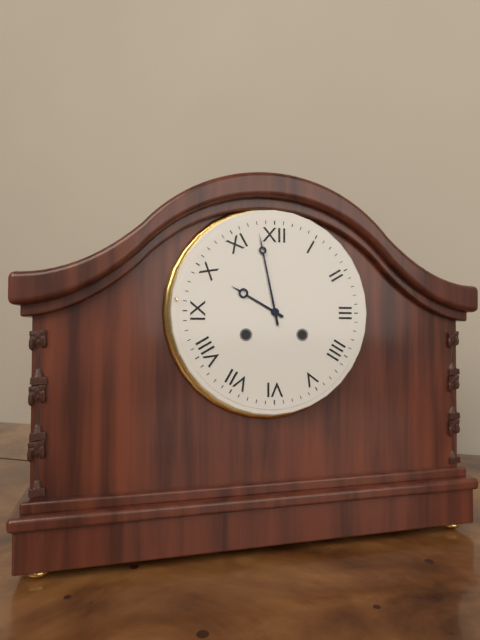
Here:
9 h 58 min
